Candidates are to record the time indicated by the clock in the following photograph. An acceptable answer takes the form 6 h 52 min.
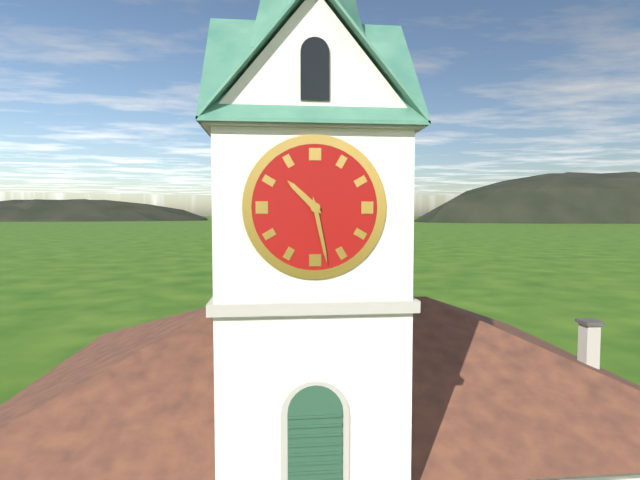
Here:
10 h 28 min
